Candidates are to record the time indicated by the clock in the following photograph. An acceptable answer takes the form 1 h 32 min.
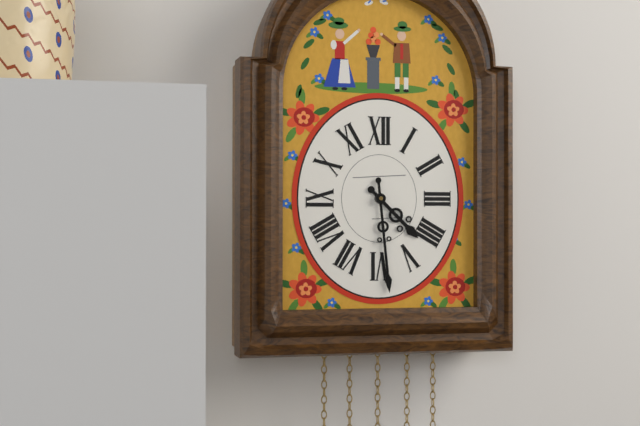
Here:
4 h 29 min
